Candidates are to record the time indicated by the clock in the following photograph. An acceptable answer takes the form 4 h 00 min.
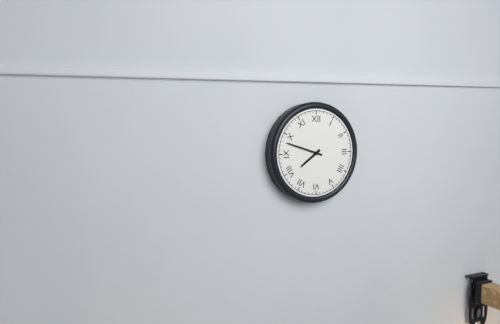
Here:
7 h 48 min
